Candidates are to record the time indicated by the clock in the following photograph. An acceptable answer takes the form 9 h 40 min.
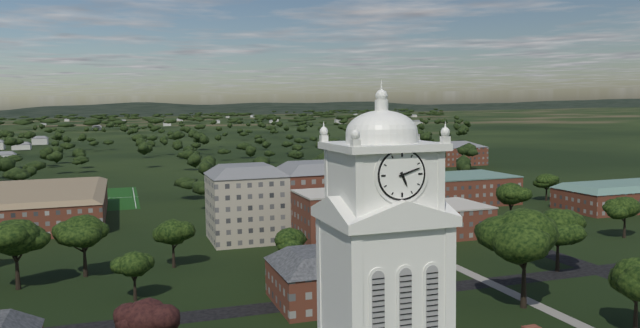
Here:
5 h 12 min
